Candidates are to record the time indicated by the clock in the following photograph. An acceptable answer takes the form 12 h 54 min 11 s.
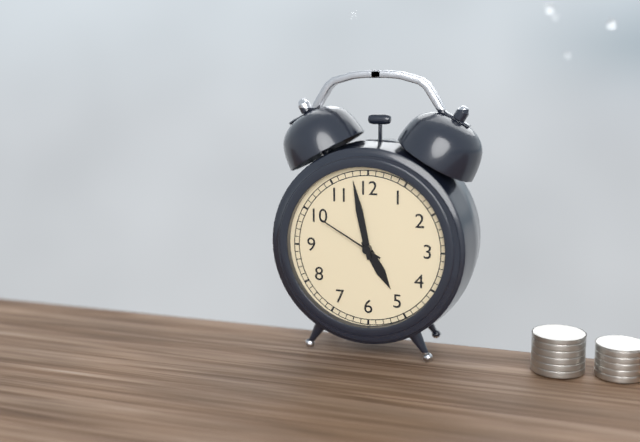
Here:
4 h 58 min 50 s
